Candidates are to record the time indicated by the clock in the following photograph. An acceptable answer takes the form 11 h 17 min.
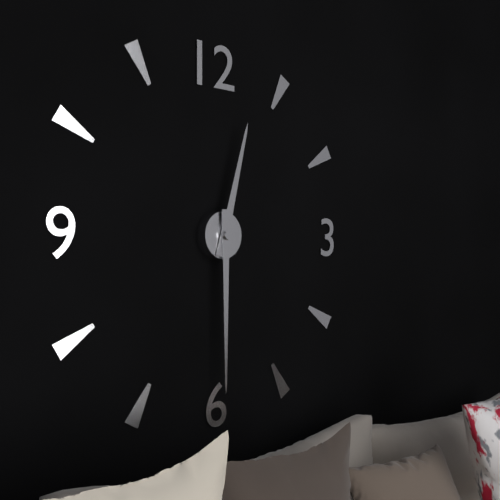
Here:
12 h 30 min
